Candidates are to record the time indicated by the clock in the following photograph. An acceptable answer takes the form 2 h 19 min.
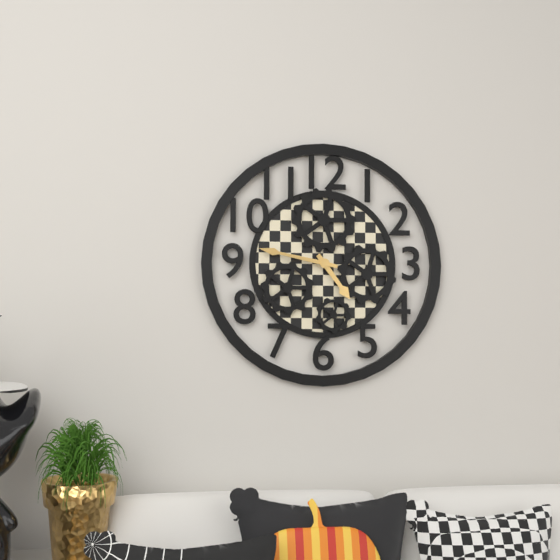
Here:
4 h 47 min
